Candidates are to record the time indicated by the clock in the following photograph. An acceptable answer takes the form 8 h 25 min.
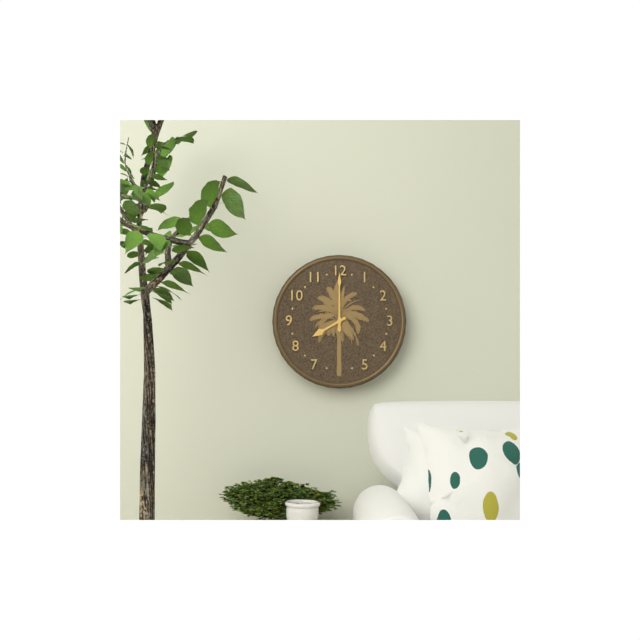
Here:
8 h 00 min
